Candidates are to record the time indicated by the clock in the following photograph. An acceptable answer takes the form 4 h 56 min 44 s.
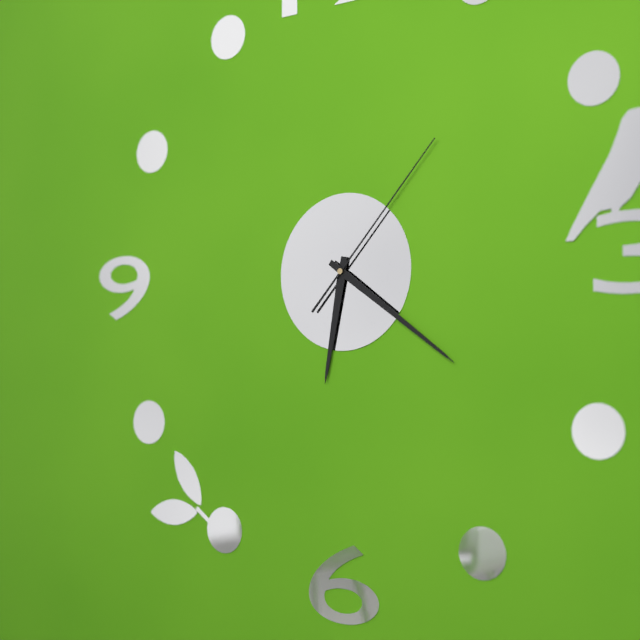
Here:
6 h 21 min 07 s
